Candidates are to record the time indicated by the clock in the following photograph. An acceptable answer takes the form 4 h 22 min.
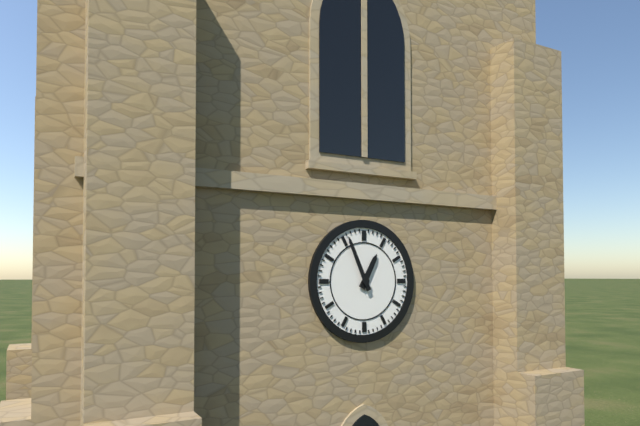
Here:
12 h 56 min
